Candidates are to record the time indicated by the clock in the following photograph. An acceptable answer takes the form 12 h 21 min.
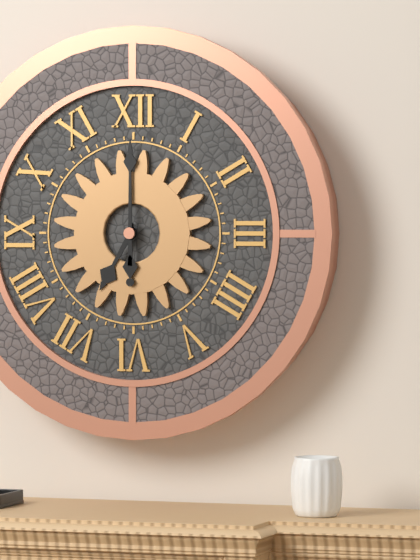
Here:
7 h 00 min
